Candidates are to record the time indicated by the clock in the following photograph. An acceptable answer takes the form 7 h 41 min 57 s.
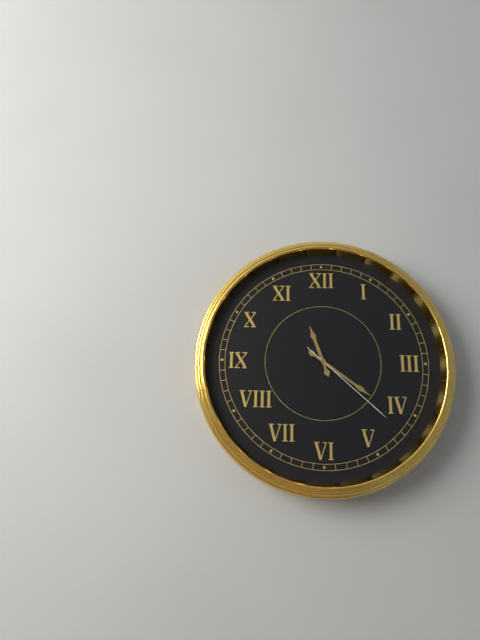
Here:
11 h 21 min 22 s
